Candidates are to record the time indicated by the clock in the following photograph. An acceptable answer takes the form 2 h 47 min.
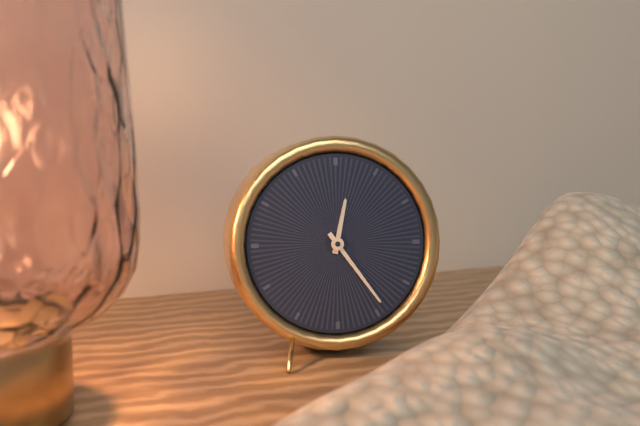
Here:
12 h 24 min
